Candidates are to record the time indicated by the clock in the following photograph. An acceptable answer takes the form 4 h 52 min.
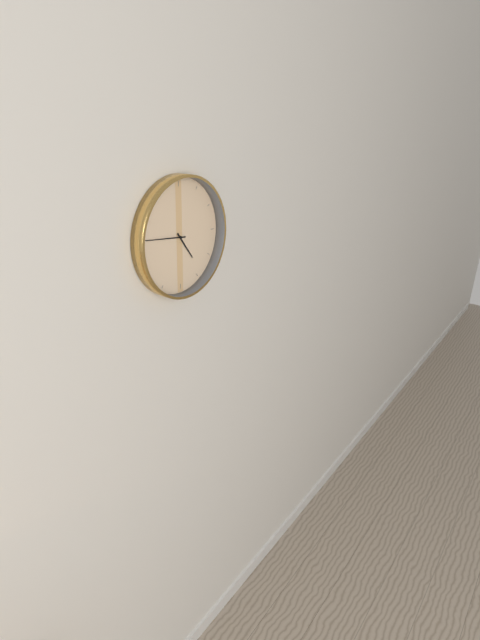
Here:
4 h 46 min
